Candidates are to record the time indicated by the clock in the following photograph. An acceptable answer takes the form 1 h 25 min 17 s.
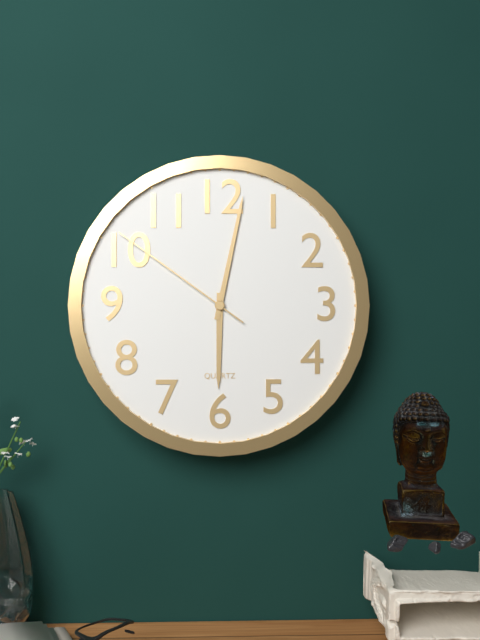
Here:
6 h 02 min 51 s
